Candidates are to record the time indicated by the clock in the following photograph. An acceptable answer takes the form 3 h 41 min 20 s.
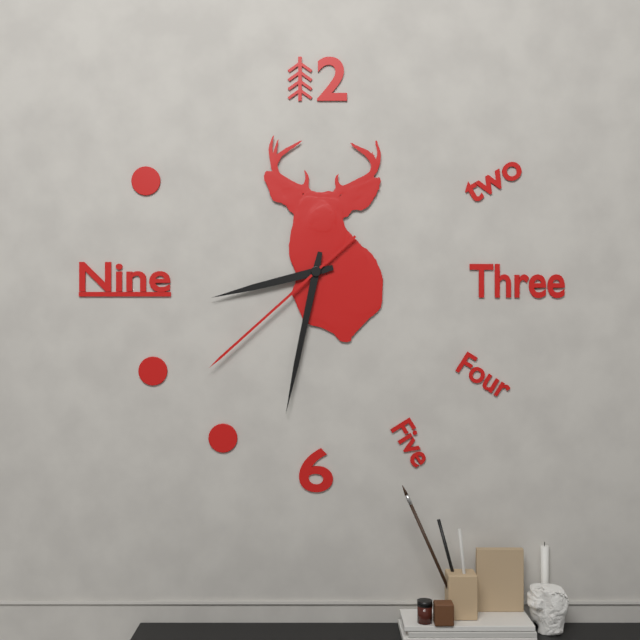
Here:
8 h 32 min 38 s
